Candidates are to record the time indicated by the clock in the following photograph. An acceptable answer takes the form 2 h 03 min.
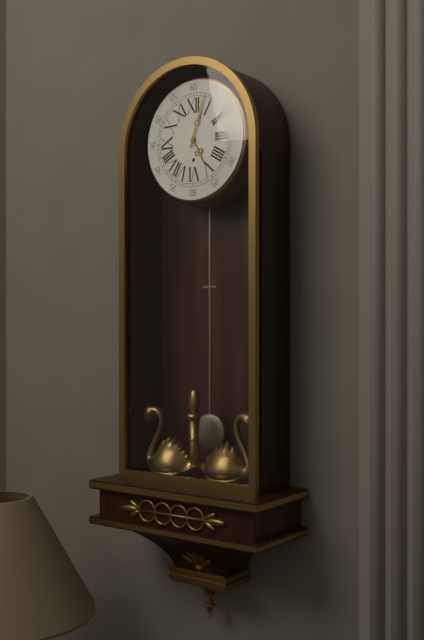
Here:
5 h 03 min
